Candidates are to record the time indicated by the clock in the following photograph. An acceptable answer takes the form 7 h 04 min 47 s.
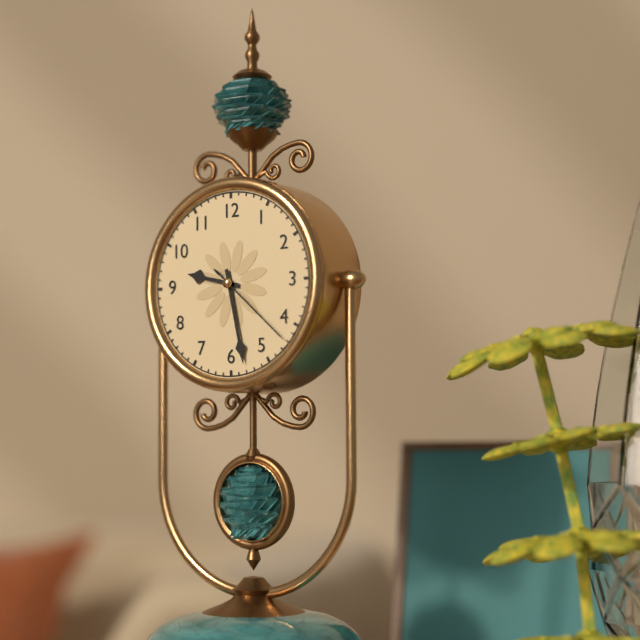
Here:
9 h 28 min 22 s
